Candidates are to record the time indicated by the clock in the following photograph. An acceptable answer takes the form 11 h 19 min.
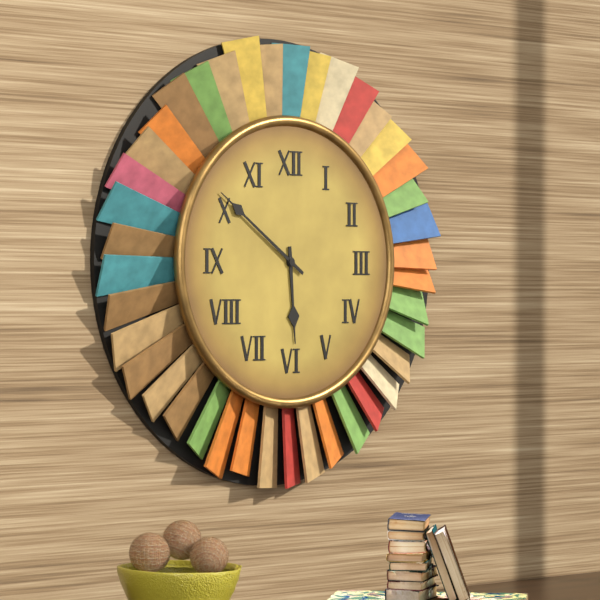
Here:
5 h 51 min
